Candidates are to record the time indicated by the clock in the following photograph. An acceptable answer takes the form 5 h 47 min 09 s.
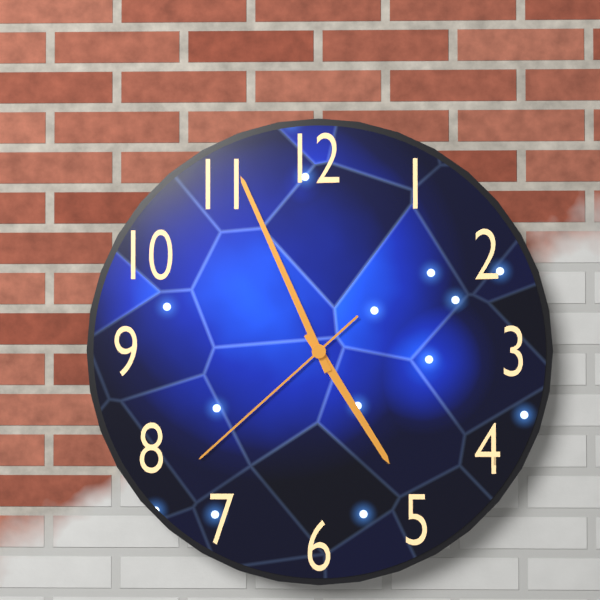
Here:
4 h 56 min 38 s
